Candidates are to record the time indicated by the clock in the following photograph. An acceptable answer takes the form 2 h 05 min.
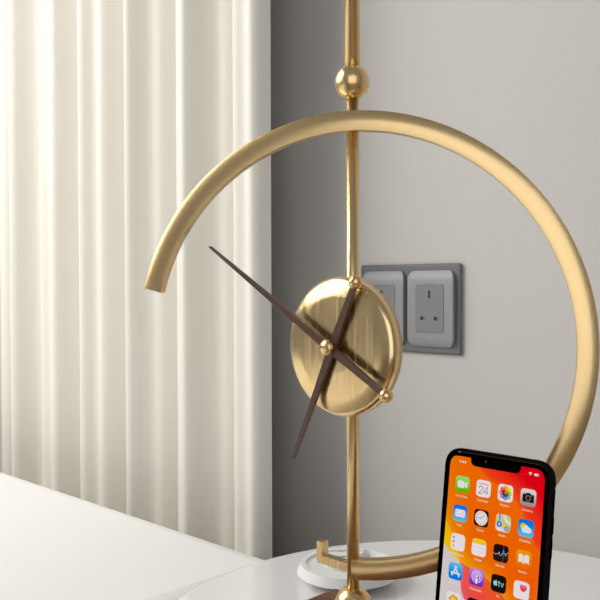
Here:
6 h 50 min
